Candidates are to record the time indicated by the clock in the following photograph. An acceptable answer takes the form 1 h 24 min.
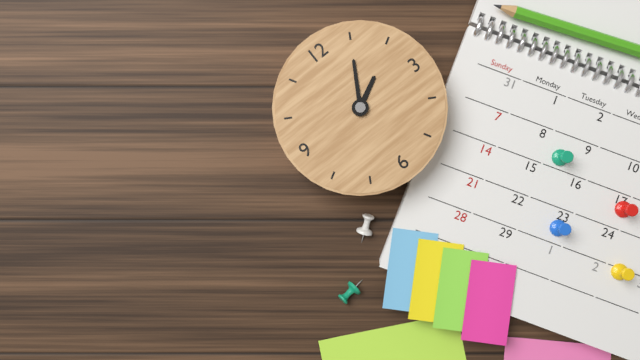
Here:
2 h 05 min
